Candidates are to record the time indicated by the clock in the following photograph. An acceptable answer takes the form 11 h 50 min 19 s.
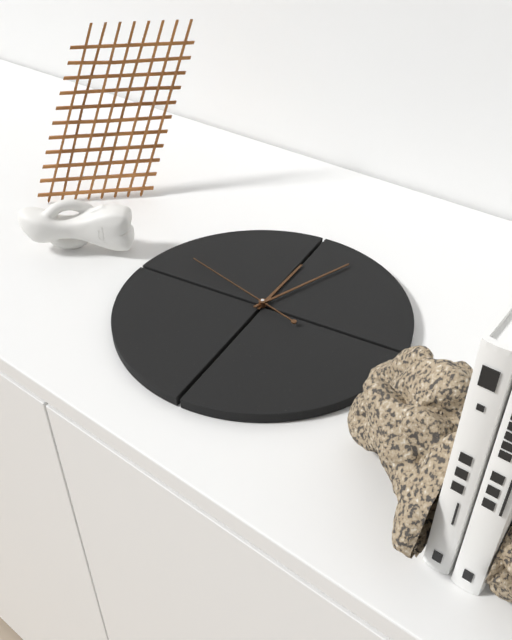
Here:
12 h 04 min 48 s
